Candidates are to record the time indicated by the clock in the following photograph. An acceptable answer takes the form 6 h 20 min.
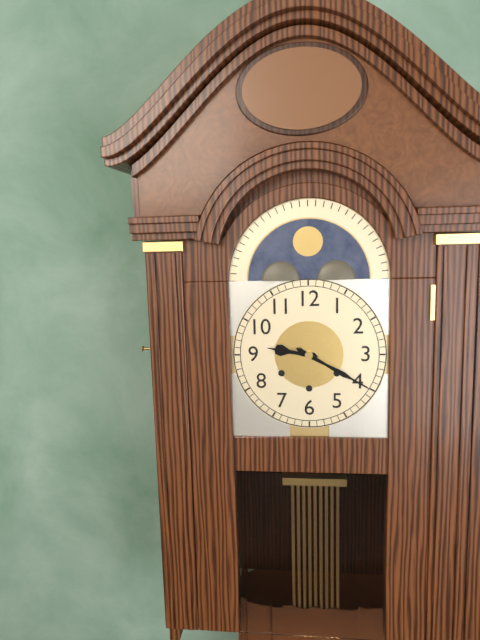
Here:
9 h 20 min
